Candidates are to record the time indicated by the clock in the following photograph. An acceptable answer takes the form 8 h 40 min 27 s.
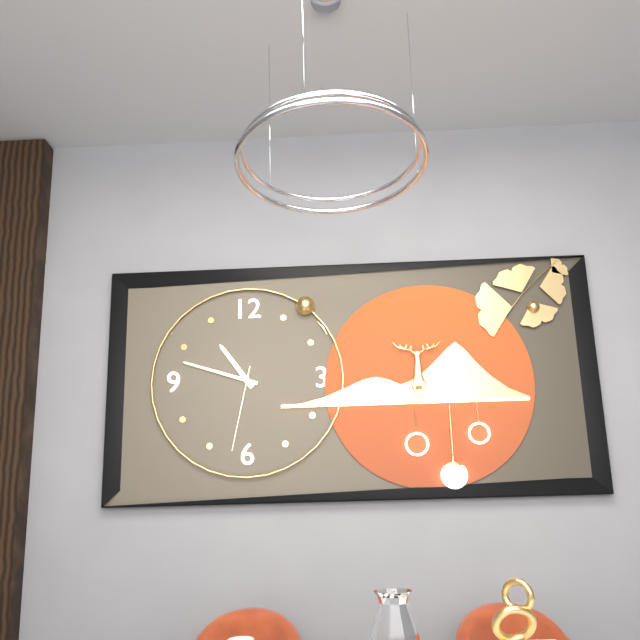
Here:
10 h 48 min 32 s
